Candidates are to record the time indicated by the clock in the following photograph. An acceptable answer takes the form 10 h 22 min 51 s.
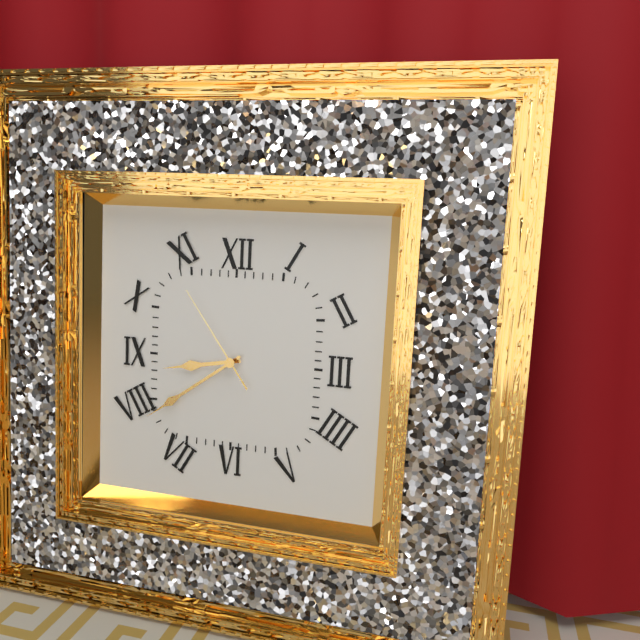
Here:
8 h 39 min 54 s
